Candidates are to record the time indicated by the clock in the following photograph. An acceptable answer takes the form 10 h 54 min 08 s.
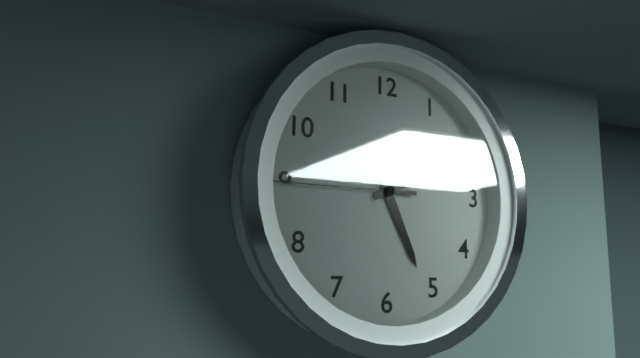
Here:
5 h 11 min 45 s
